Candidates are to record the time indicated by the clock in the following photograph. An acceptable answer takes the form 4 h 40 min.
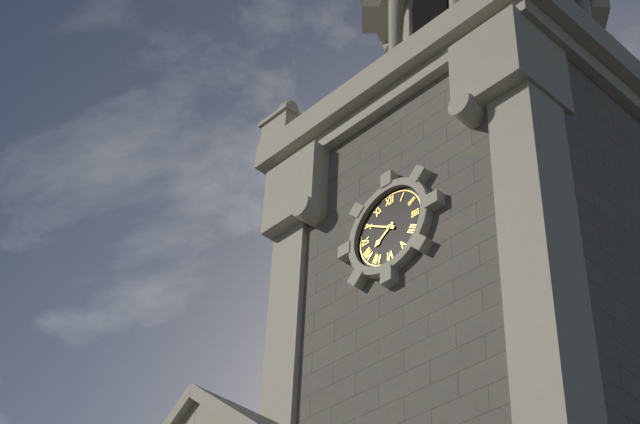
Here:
7 h 50 min
